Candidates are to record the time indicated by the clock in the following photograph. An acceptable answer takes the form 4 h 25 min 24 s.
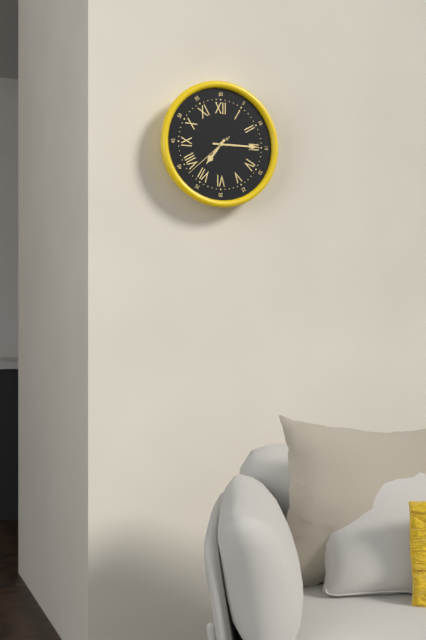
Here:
7 h 15 min 38 s
